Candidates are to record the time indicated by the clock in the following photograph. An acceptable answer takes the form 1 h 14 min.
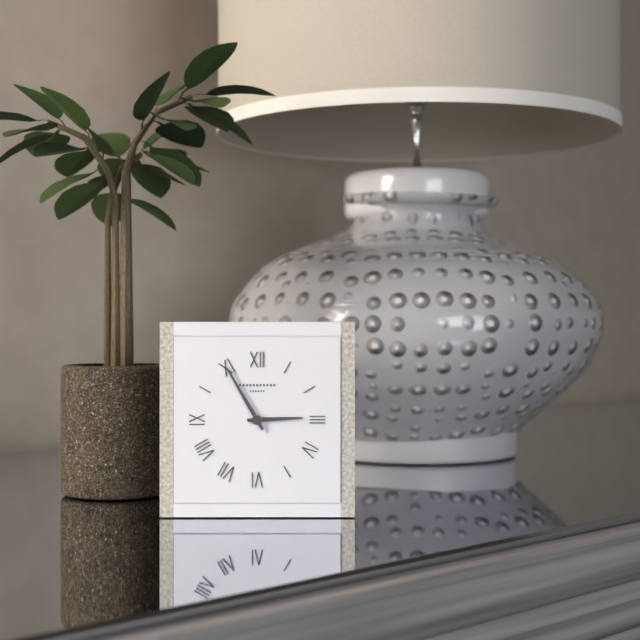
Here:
2 h 55 min
